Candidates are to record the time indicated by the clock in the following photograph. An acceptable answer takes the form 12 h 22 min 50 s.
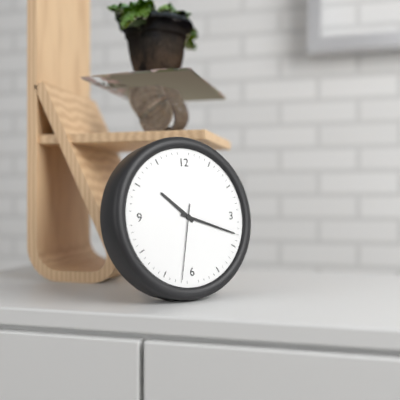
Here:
10 h 18 min 32 s
